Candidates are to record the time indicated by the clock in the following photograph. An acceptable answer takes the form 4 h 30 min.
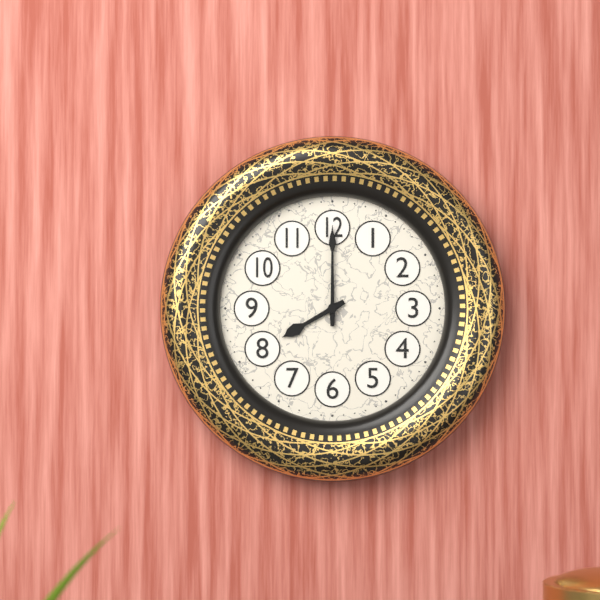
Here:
8 h 00 min
